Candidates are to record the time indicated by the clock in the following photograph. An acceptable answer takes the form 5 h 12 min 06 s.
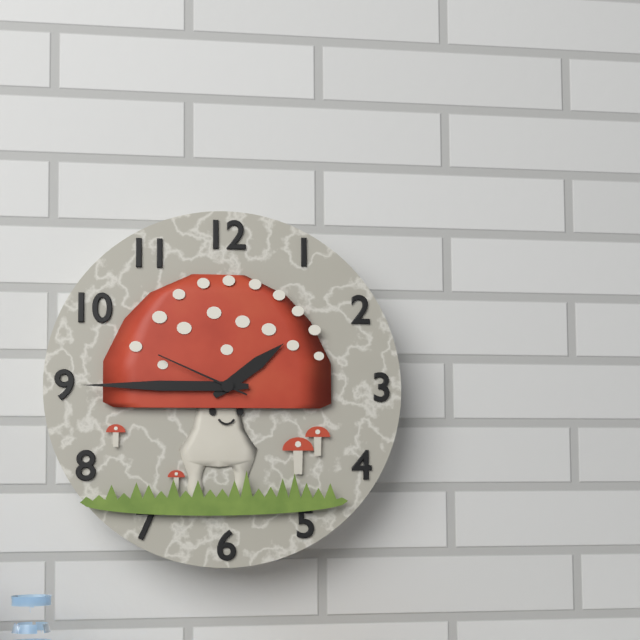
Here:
1 h 45 min 49 s
